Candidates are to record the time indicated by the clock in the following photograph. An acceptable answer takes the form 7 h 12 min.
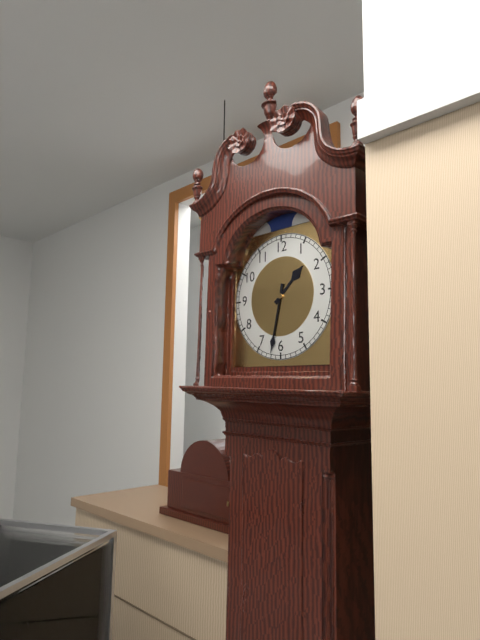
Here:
1 h 32 min
